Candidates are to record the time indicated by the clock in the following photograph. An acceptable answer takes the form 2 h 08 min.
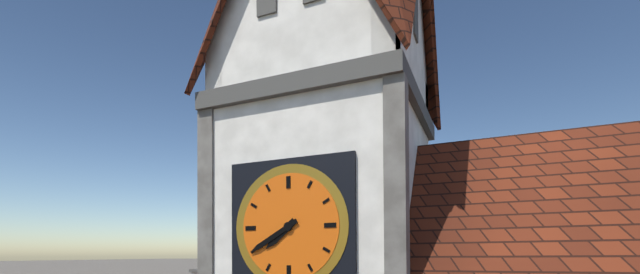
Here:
7 h 40 min
